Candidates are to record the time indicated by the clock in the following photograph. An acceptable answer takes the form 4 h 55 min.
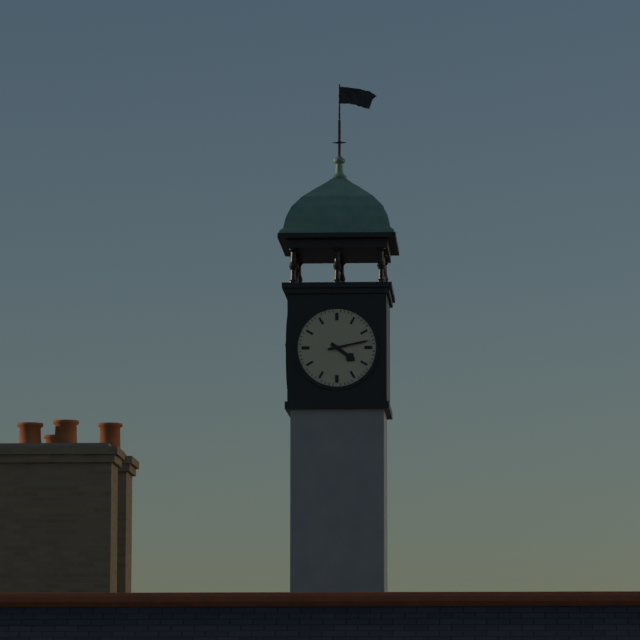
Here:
4 h 13 min
